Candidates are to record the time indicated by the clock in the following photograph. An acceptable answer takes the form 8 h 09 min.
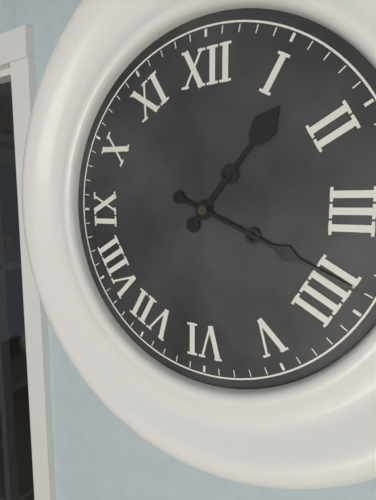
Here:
1 h 19 min
